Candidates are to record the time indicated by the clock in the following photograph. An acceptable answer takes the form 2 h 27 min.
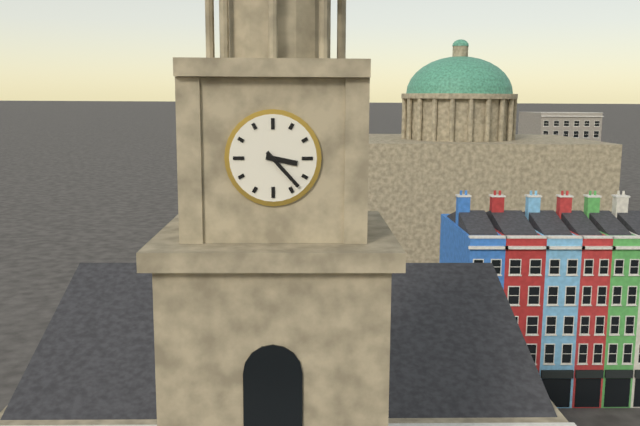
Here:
3 h 23 min
